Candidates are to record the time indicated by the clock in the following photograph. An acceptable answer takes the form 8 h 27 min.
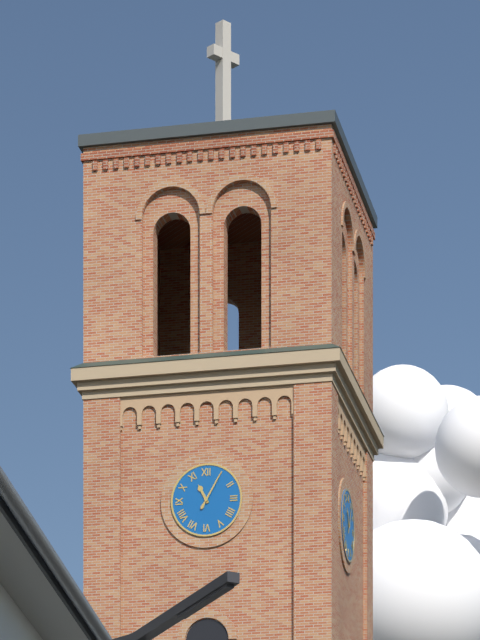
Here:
11 h 05 min
